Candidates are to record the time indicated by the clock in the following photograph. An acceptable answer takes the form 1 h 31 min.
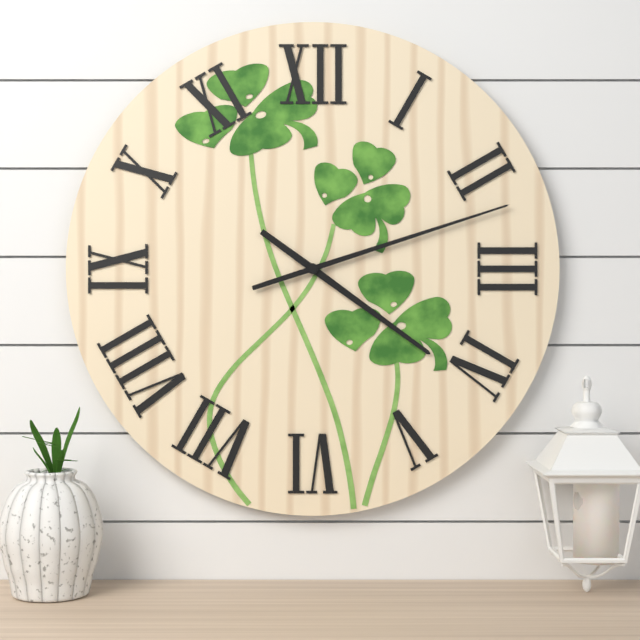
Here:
4 h 12 min
